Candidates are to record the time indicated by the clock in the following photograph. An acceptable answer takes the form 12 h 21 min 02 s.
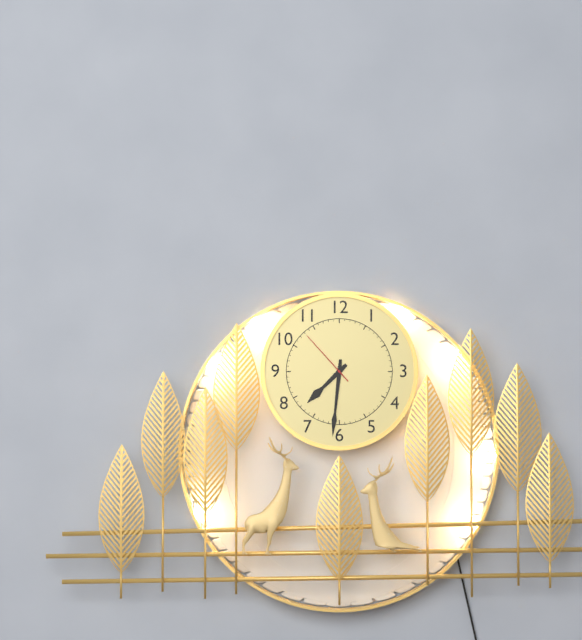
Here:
7 h 31 min 53 s
